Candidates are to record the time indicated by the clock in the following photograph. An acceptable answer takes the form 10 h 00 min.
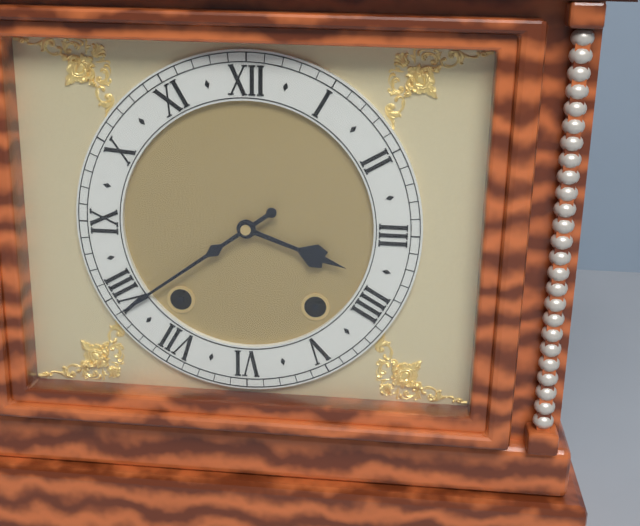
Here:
3 h 39 min
